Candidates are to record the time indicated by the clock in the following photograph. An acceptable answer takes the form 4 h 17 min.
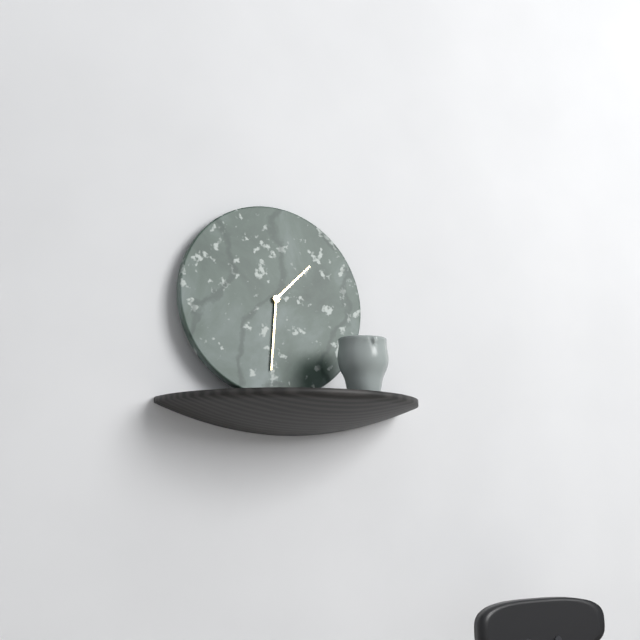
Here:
1 h 31 min
